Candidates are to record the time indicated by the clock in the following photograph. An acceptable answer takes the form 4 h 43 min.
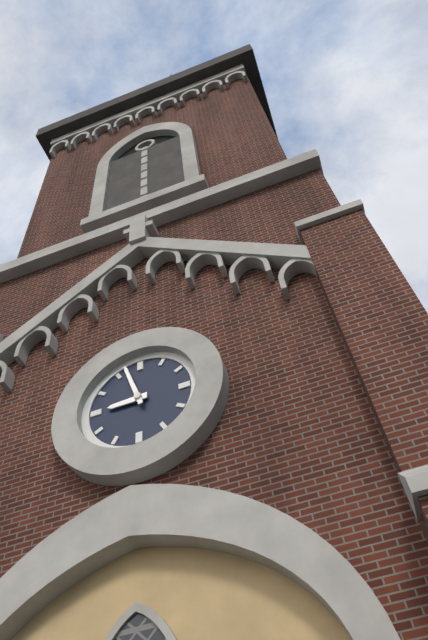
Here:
8 h 57 min
